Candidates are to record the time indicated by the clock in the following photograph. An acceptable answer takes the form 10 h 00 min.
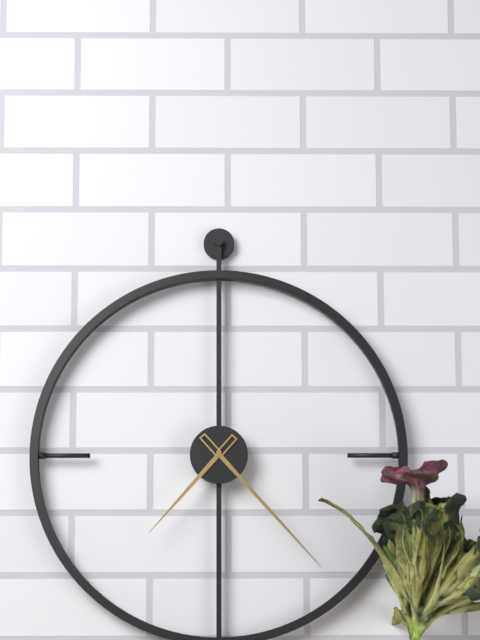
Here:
7 h 23 min
